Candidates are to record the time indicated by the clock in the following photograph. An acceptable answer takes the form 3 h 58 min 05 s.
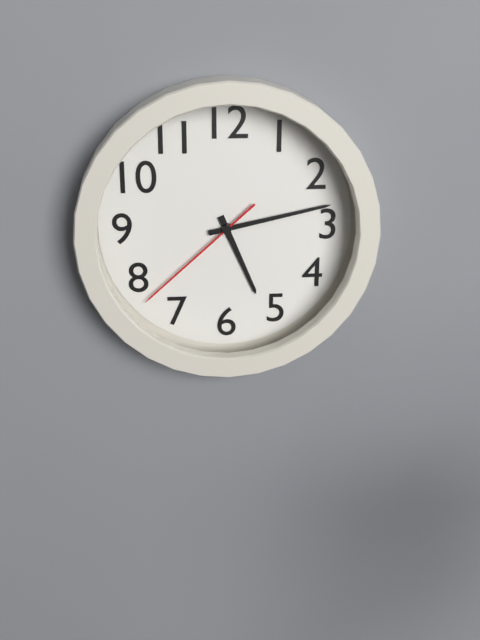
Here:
5 h 13 min 38 s
